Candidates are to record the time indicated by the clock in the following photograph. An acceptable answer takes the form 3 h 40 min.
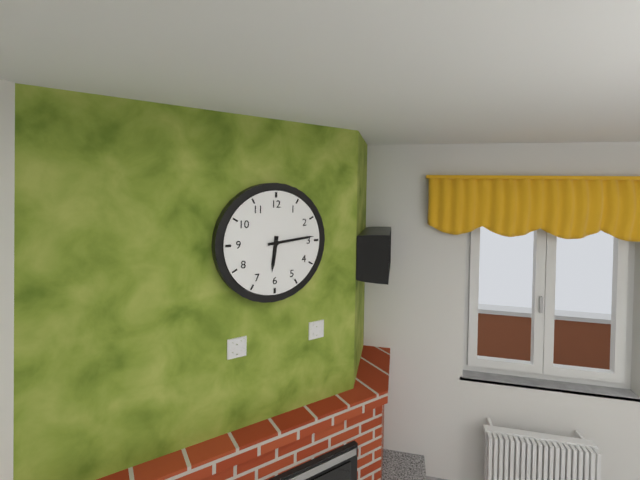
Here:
6 h 14 min
